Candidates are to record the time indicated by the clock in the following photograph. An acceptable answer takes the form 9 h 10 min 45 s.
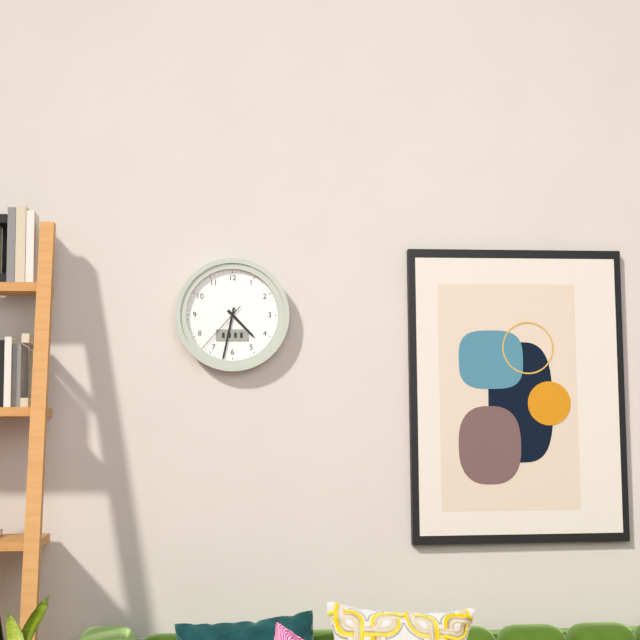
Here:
4 h 32 min 37 s
